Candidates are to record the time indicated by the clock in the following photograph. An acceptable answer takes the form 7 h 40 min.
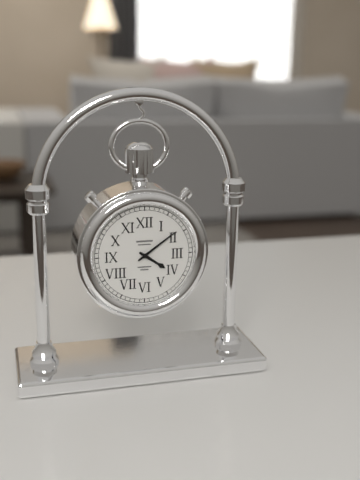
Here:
4 h 09 min
